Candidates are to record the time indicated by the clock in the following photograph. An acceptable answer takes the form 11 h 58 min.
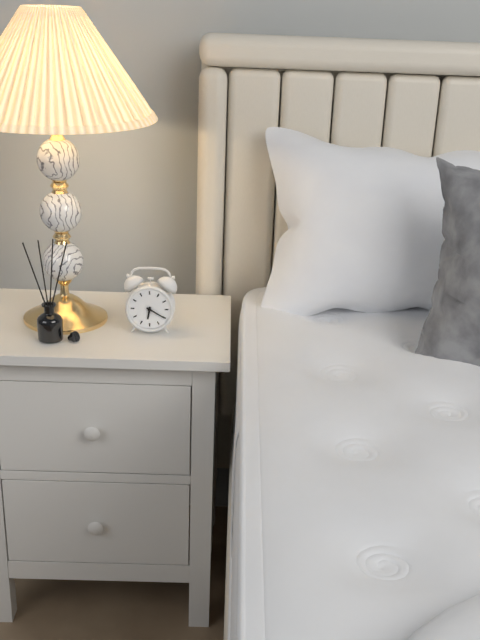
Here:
6 h 20 min
